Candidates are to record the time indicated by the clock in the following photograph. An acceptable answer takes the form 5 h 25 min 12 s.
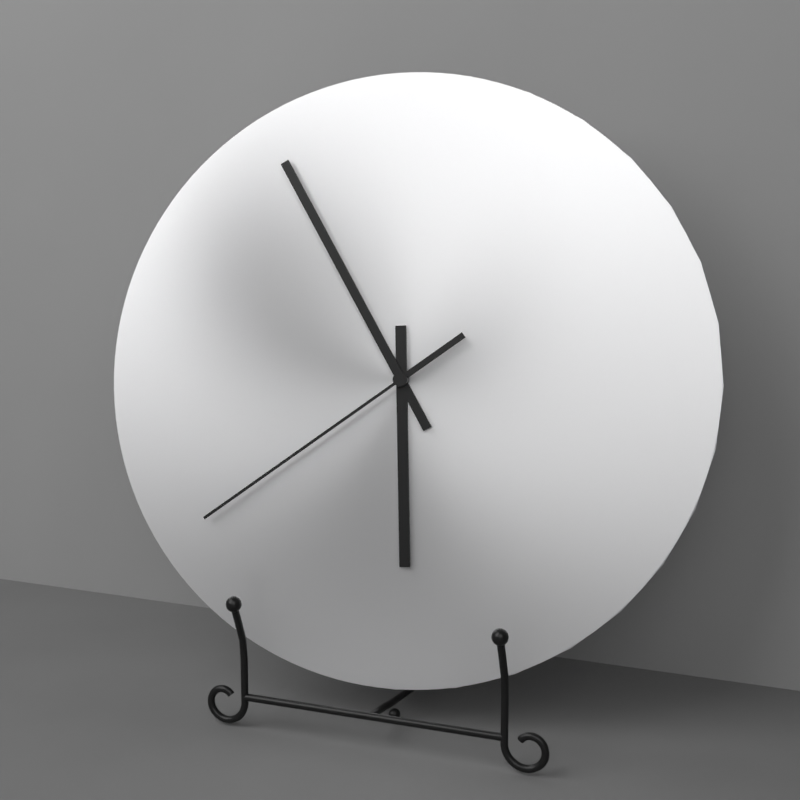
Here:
5 h 55 min 39 s
